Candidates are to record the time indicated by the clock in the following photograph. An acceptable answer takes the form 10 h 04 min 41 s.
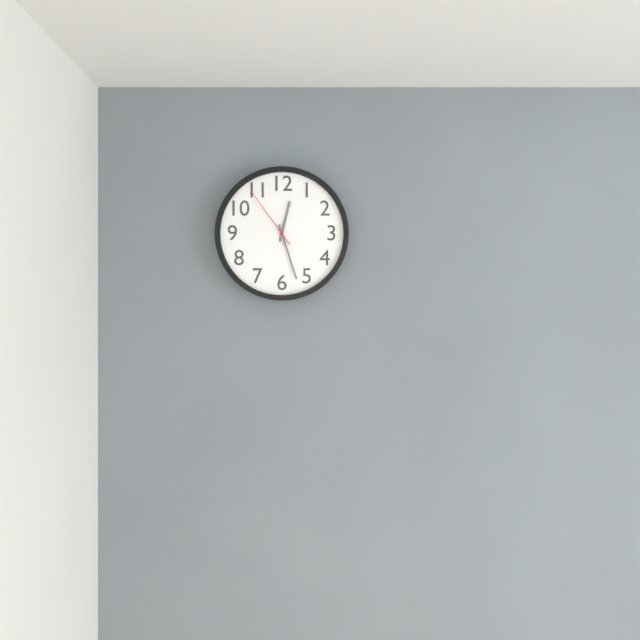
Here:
12 h 27 min 54 s
